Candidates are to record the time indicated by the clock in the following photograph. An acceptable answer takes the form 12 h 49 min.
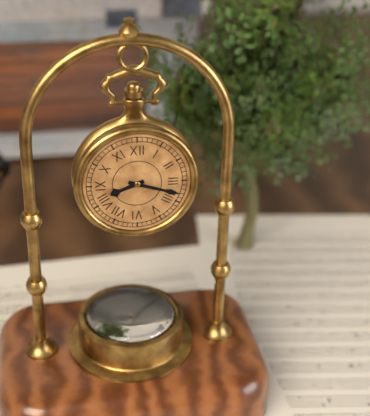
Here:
8 h 18 min
